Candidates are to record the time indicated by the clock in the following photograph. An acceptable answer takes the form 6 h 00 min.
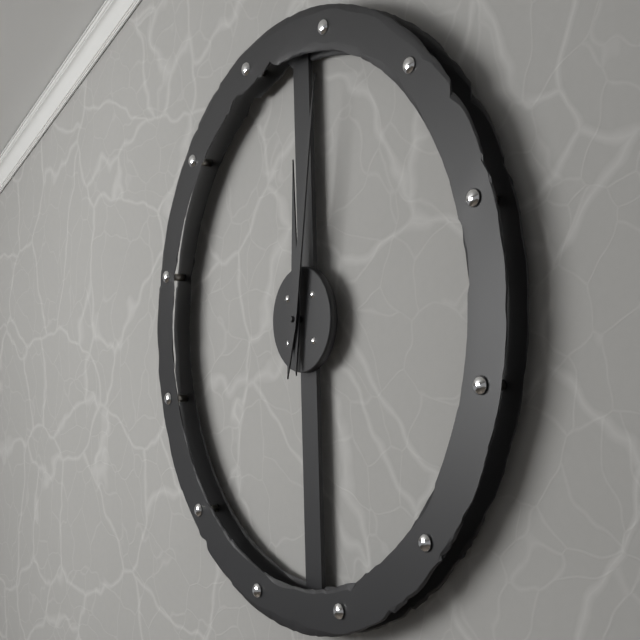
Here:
12 h 02 min
